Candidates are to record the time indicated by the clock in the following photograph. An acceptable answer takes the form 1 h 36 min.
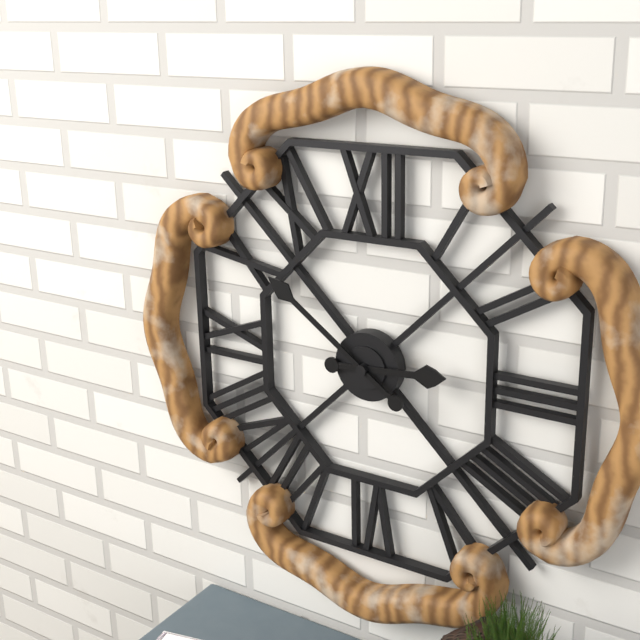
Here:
2 h 51 min
